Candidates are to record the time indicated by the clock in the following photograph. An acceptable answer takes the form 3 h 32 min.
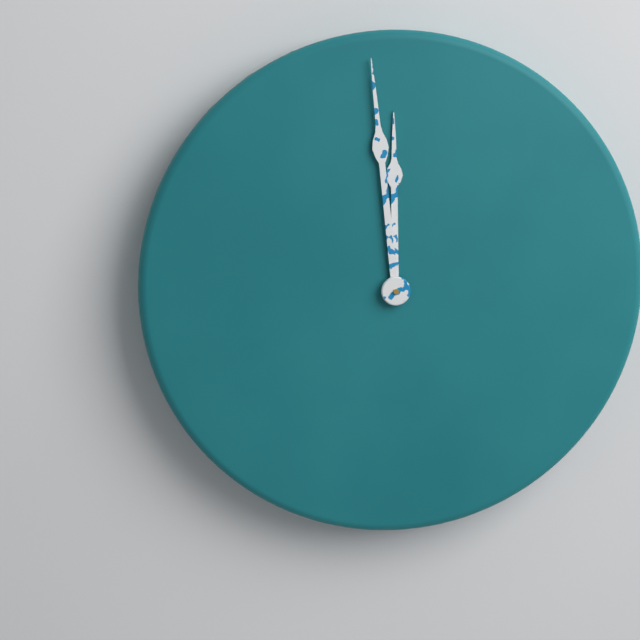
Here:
11 h 59 min
